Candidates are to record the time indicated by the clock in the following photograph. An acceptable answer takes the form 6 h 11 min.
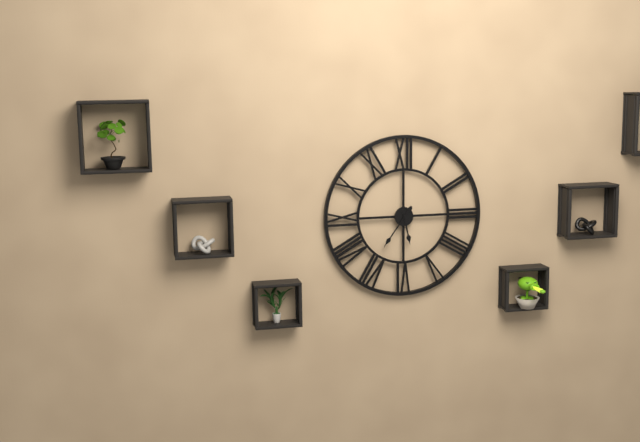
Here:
5 h 36 min
